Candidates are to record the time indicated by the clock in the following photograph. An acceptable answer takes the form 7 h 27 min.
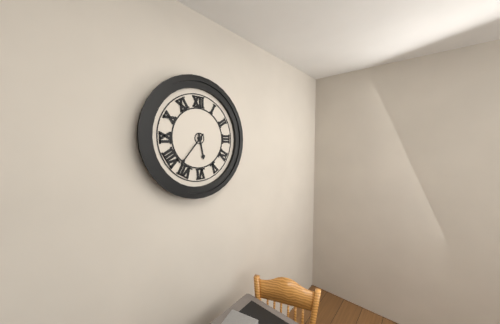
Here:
5 h 37 min
